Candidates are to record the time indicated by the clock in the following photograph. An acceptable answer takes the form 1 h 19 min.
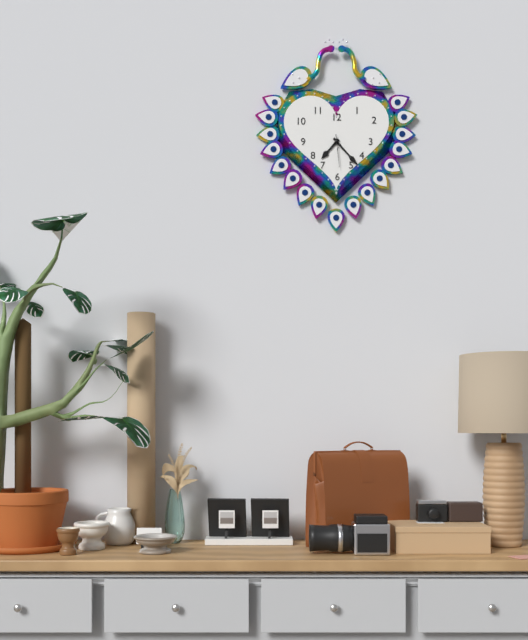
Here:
7 h 23 min
